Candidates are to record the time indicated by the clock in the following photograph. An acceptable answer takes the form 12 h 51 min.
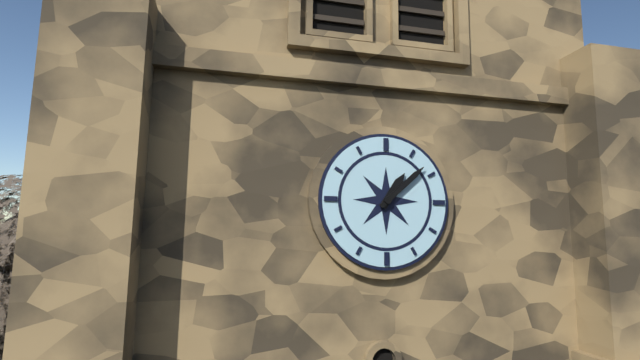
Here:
1 h 08 min
